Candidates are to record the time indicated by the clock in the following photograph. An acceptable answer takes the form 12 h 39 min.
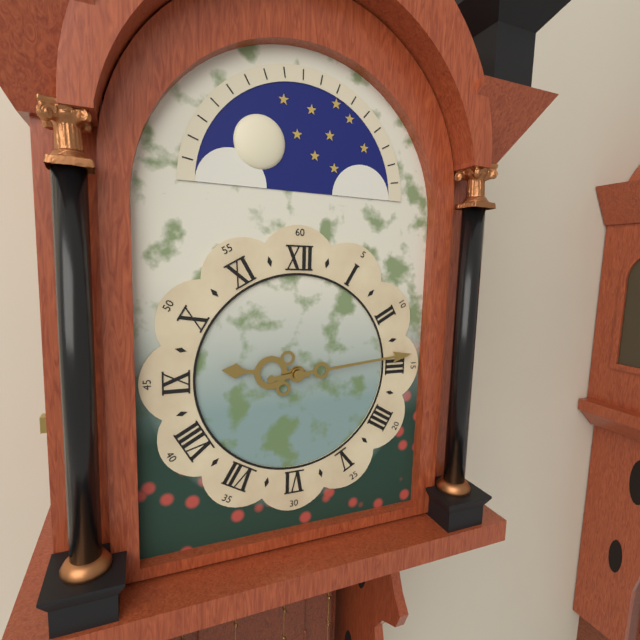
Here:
9 h 14 min
